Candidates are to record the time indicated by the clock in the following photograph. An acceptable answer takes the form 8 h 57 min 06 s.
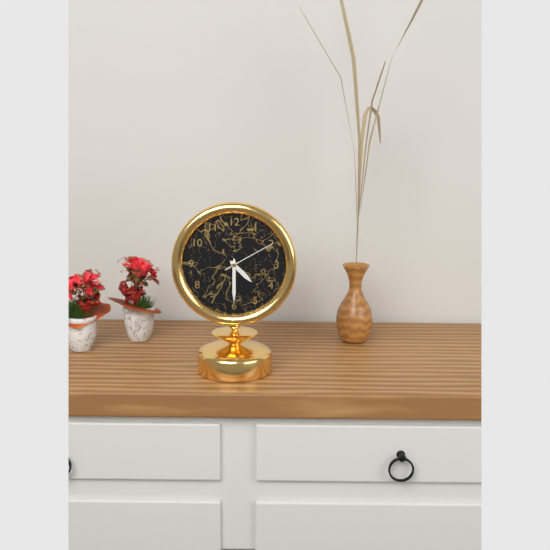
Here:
4 h 30 min 10 s
